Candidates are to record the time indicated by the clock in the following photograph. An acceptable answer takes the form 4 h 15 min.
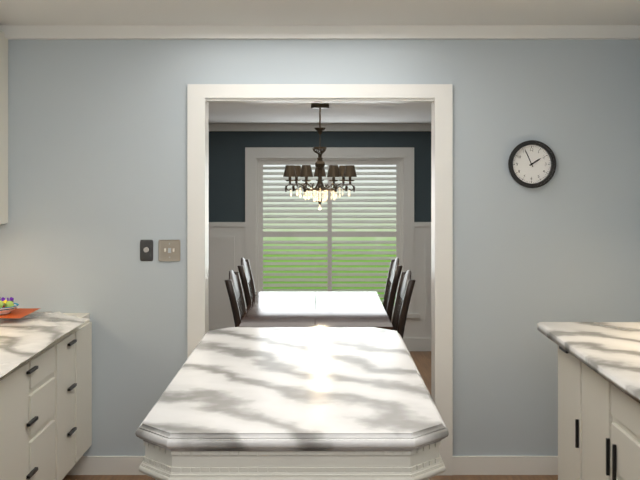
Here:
1 h 56 min
